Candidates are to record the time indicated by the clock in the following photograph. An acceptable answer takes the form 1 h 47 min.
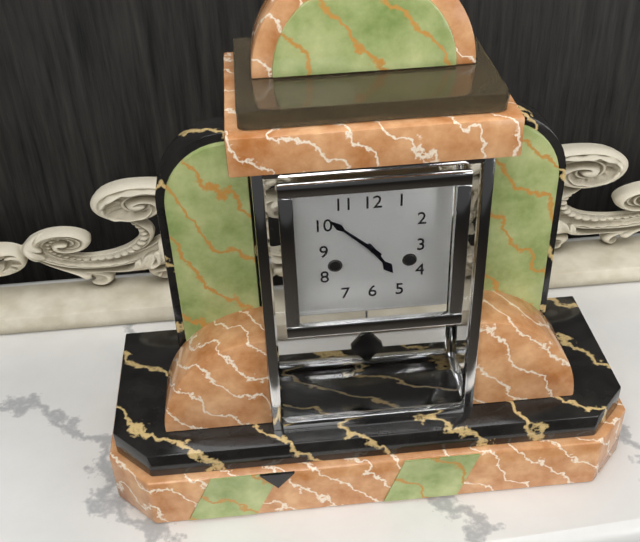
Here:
4 h 52 min
